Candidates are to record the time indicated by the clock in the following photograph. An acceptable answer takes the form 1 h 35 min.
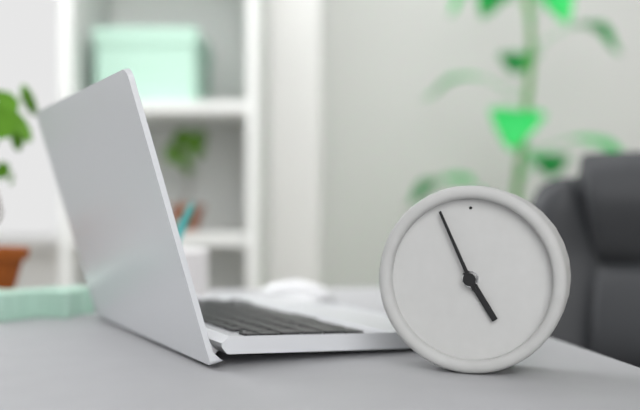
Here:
4 h 56 min
